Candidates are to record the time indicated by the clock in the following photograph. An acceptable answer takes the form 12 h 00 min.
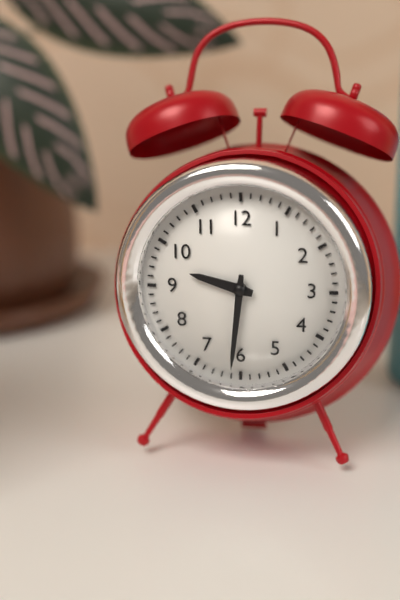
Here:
9 h 31 min
